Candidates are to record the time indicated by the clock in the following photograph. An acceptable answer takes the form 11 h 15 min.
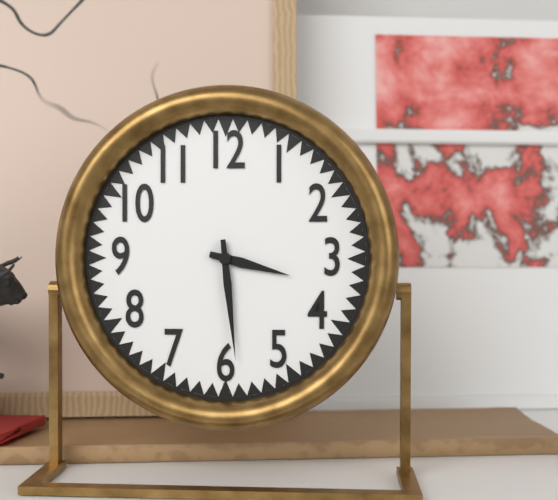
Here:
3 h 29 min
